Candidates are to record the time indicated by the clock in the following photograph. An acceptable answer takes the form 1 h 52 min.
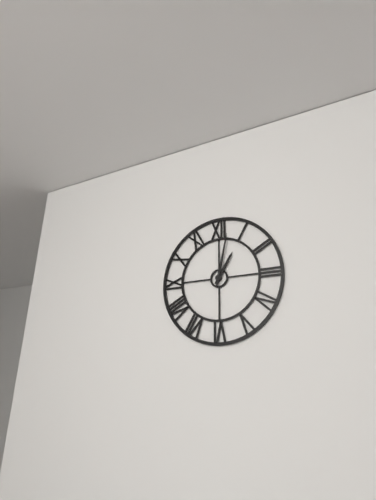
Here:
1 h 02 min
